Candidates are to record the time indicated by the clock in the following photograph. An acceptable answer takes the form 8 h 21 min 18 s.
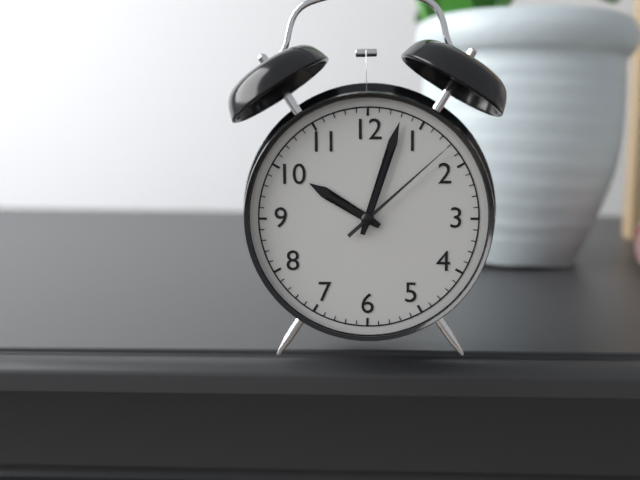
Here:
10 h 03 min 08 s
